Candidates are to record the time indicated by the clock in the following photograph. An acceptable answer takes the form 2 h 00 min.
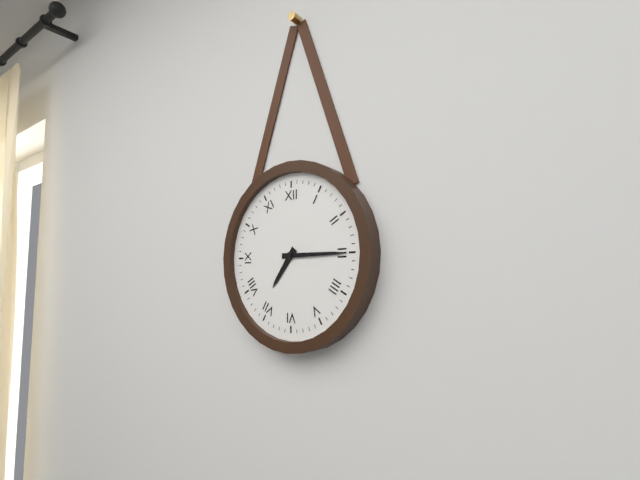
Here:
7 h 15 min
